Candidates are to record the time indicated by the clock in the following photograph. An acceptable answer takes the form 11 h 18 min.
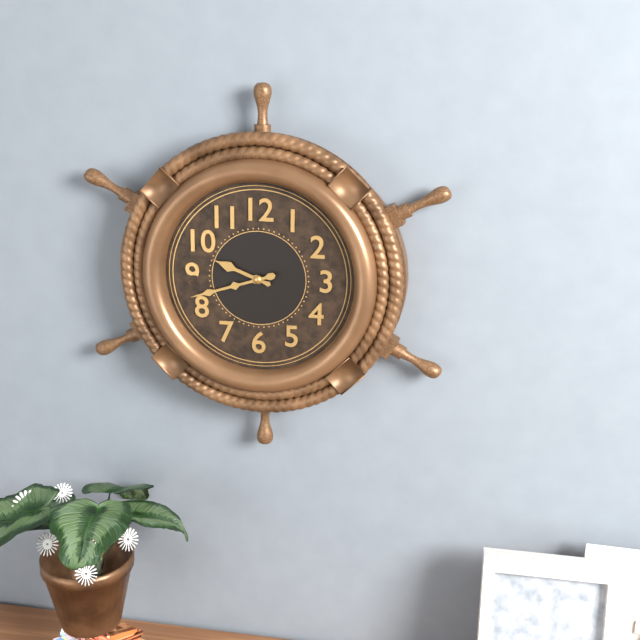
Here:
9 h 42 min
